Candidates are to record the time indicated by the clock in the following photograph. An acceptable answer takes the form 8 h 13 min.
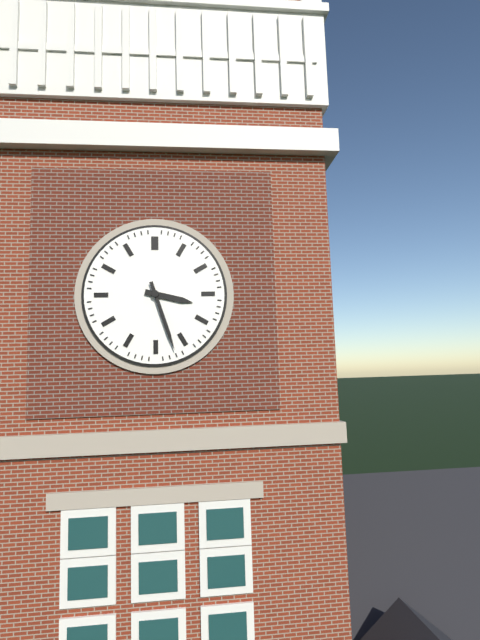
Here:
3 h 27 min
